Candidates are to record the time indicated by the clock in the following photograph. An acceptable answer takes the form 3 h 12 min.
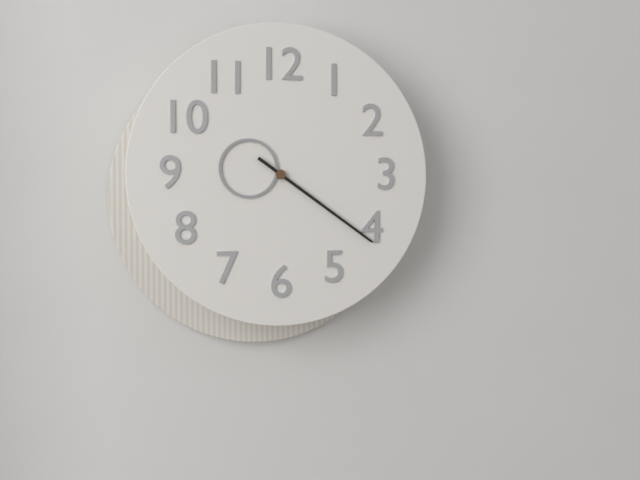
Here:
9 h 21 min
